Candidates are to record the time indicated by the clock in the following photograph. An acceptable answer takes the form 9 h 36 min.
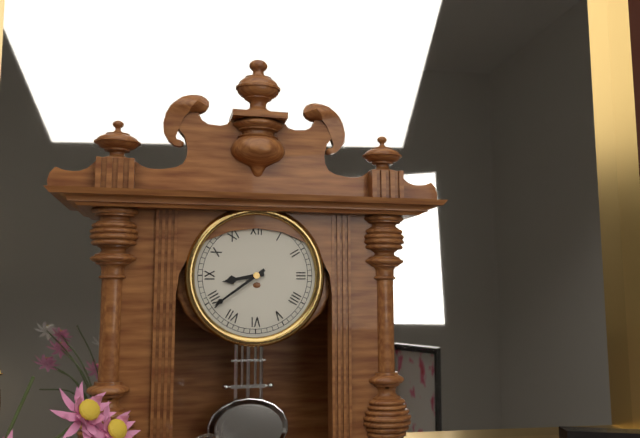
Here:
8 h 39 min
